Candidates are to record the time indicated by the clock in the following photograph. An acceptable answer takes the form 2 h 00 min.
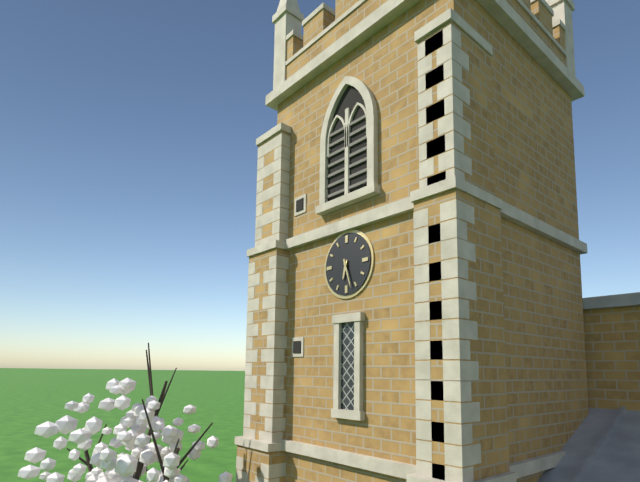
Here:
6 h 27 min
